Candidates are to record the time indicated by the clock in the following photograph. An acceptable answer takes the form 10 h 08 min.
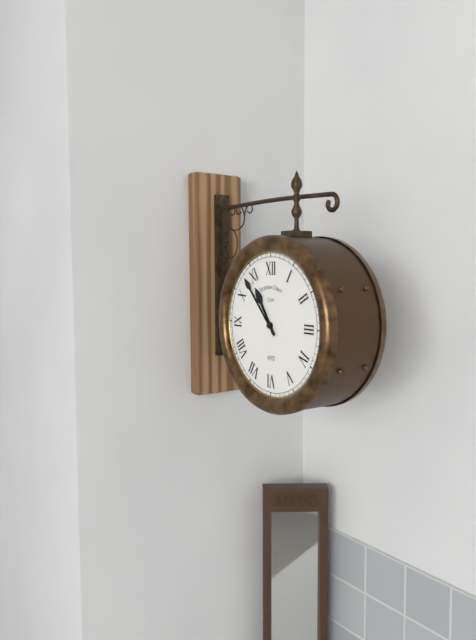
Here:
10 h 53 min
